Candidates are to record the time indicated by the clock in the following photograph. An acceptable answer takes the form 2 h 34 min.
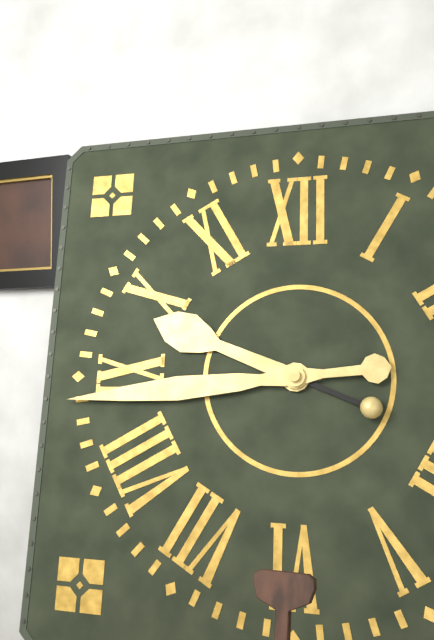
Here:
9 h 44 min
